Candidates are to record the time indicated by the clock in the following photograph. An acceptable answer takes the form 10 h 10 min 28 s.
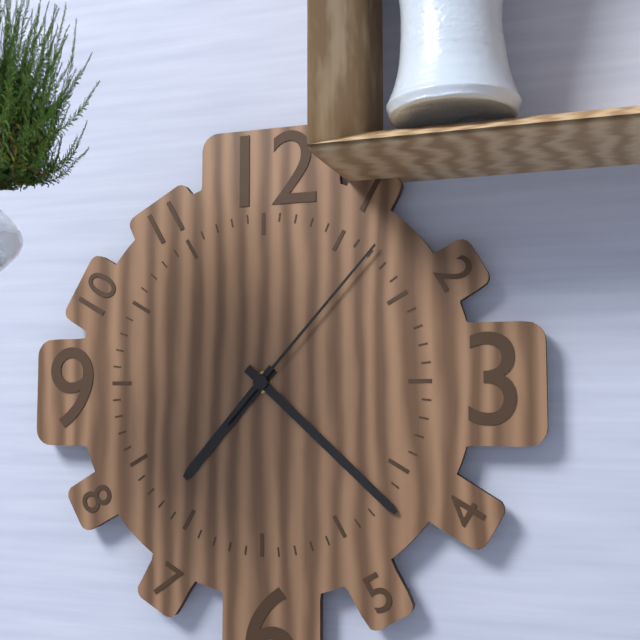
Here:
7 h 22 min 07 s
